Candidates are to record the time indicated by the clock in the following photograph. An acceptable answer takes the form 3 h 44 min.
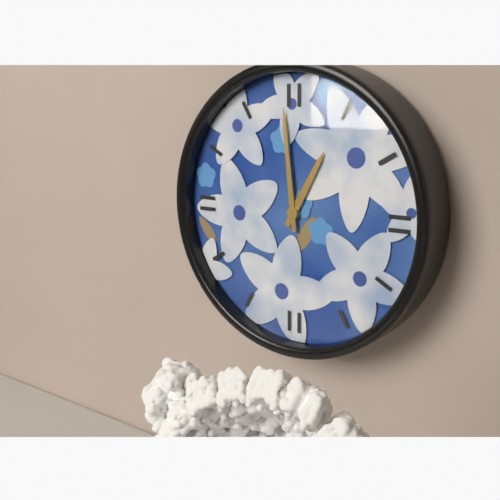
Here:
12 h 59 min
